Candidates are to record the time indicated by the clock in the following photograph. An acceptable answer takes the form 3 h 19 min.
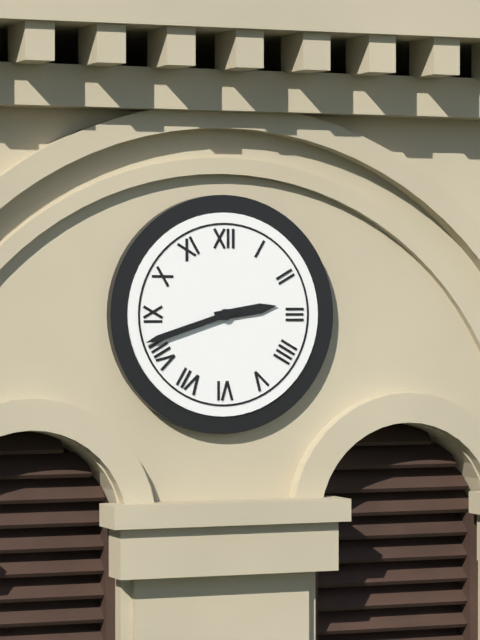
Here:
2 h 42 min
